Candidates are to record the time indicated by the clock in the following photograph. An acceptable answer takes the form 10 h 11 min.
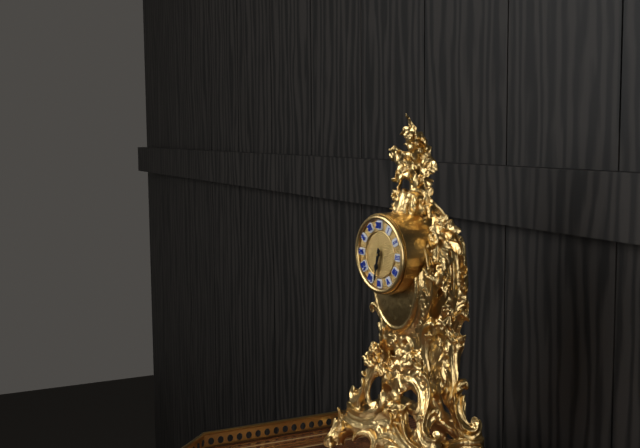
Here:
6 h 32 min
